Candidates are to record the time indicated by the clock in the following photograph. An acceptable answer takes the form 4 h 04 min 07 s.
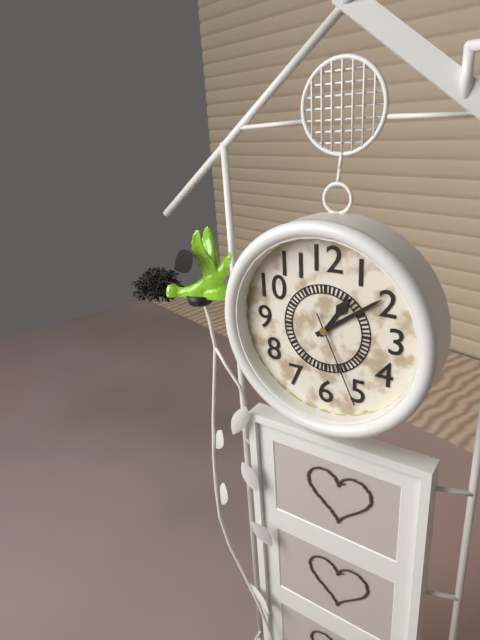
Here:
1 h 09 min 26 s
